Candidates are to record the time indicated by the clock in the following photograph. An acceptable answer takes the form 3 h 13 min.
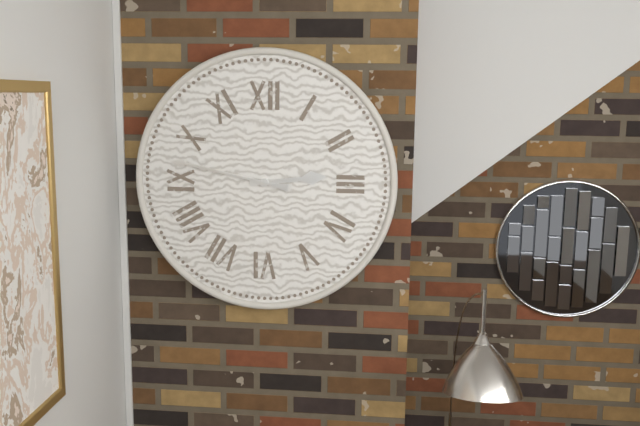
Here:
2 h 47 min
